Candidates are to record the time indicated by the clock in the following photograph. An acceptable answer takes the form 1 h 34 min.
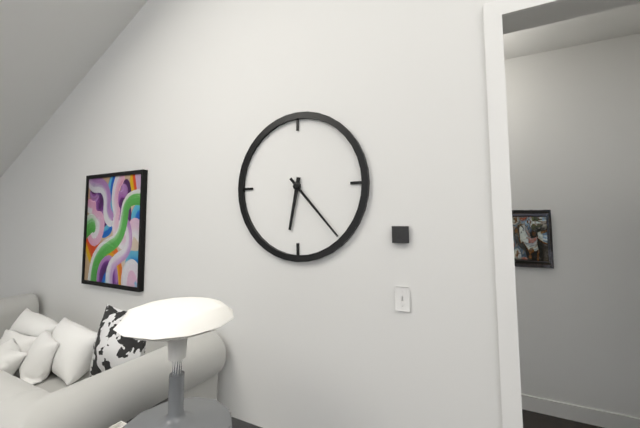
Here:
6 h 23 min
